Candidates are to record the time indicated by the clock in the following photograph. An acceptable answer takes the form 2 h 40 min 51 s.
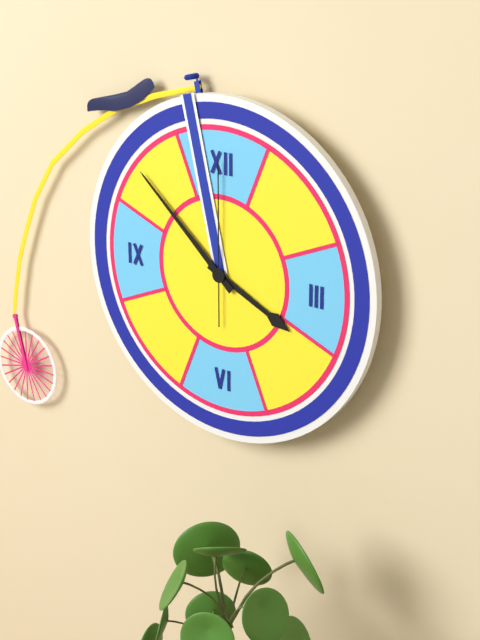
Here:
3 h 52 min 00 s
